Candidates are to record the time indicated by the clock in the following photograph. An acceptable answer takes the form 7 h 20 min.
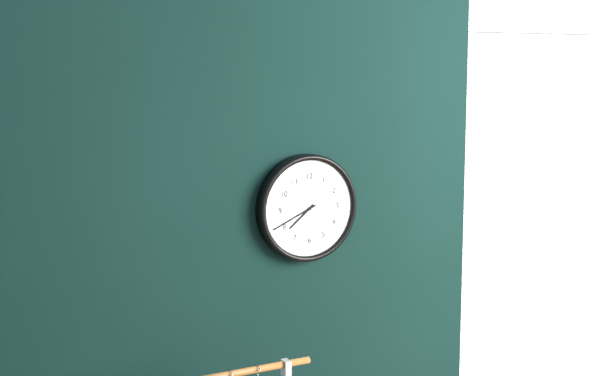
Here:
7 h 41 min
